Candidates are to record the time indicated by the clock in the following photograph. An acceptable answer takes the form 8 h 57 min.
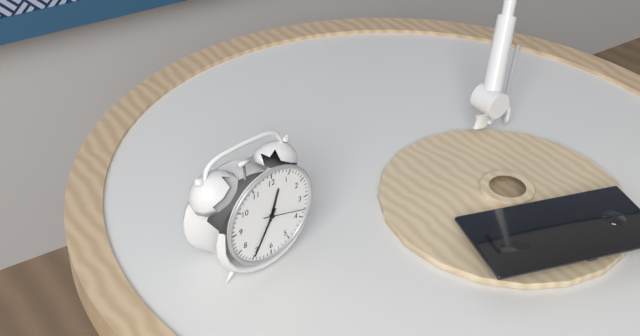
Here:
12 h 35 min
